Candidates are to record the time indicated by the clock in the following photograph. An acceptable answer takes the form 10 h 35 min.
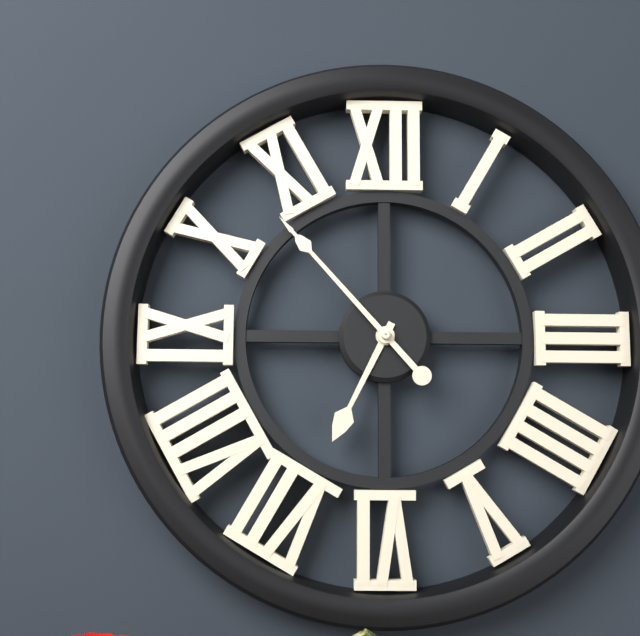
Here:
6 h 53 min
